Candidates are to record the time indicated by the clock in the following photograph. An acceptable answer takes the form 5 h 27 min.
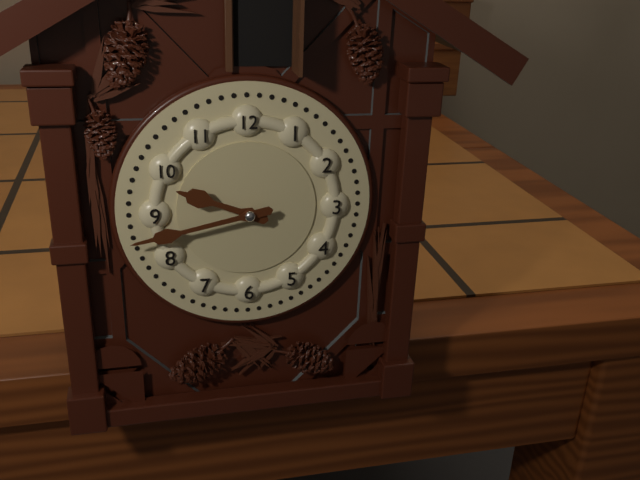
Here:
9 h 43 min
